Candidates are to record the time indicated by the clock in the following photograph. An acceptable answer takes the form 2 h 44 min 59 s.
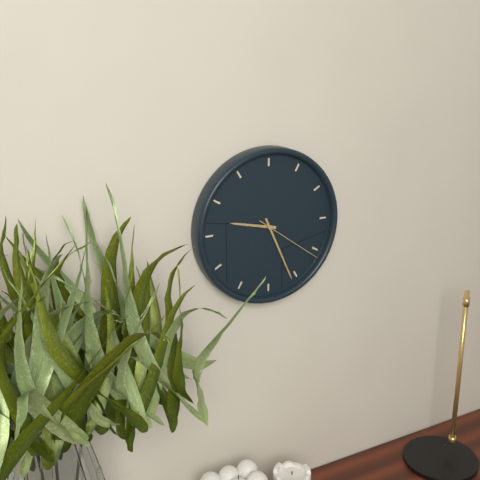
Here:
9 h 26 min 21 s
